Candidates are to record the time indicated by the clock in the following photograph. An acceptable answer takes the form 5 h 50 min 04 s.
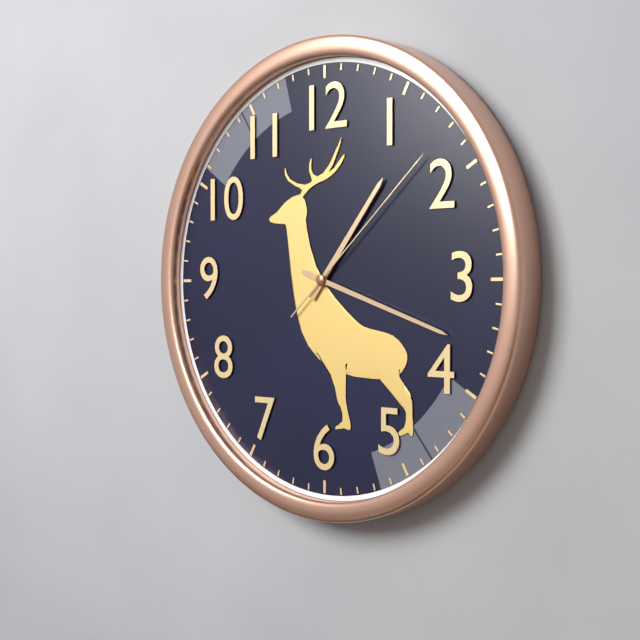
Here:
1 h 18 min 08 s
